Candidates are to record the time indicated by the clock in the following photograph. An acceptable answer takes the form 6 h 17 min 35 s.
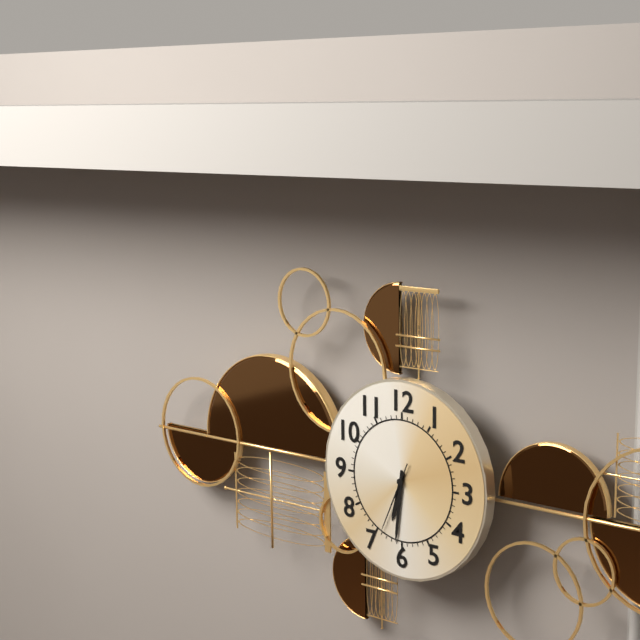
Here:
6 h 31 min 34 s
